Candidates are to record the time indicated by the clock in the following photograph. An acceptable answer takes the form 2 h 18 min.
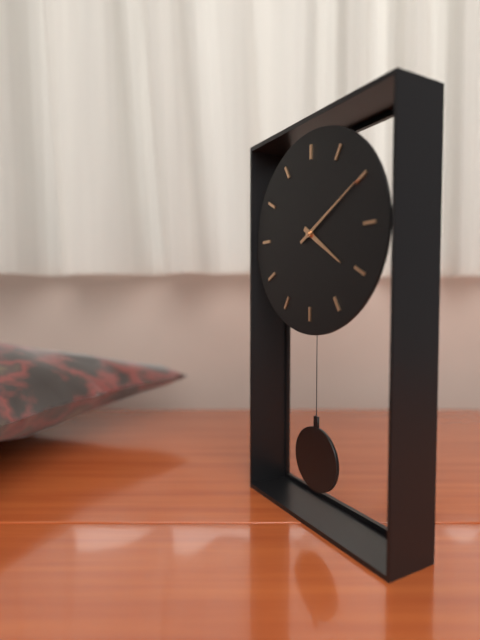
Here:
4 h 10 min
